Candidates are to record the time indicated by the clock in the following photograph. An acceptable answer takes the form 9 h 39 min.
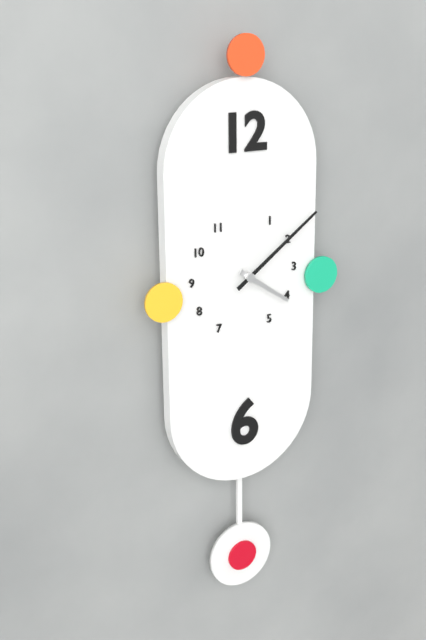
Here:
4 h 09 min
